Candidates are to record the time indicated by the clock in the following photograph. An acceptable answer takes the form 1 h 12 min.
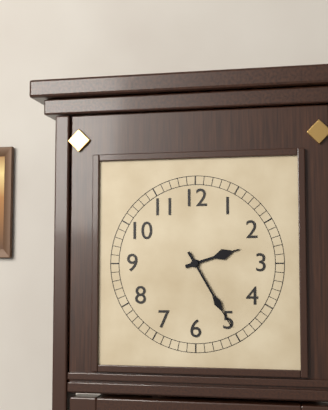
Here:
2 h 25 min
